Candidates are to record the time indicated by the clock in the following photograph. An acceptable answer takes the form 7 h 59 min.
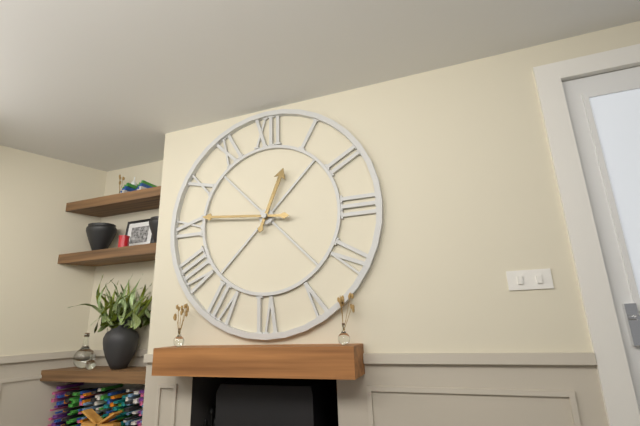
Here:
12 h 46 min
